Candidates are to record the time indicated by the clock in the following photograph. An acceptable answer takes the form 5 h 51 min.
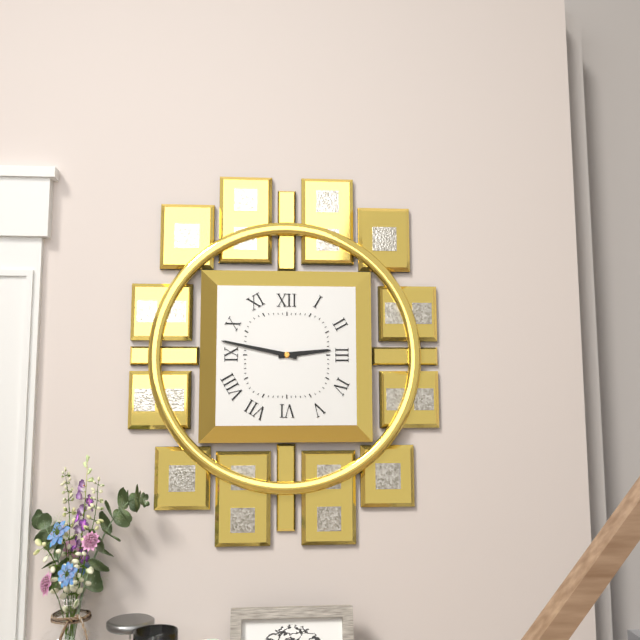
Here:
2 h 47 min
